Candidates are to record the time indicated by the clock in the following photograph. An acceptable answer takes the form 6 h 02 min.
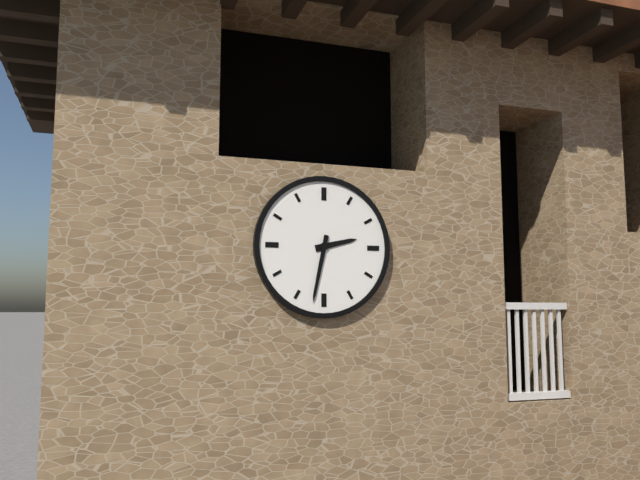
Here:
2 h 32 min
